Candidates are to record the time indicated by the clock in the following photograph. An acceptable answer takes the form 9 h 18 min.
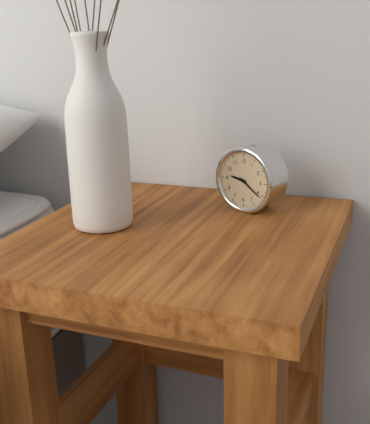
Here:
9 h 21 min
